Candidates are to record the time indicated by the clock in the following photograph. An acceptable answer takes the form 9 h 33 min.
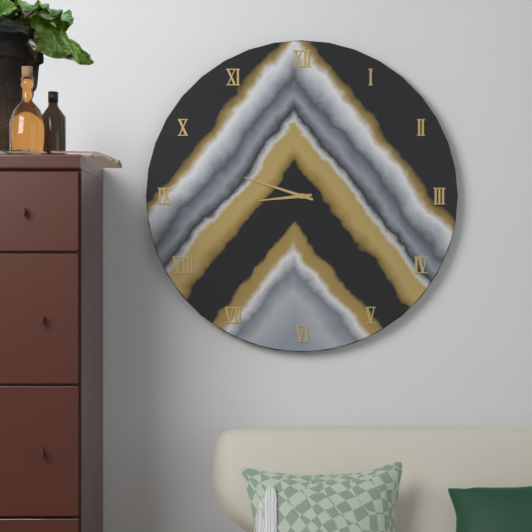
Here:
8 h 48 min
